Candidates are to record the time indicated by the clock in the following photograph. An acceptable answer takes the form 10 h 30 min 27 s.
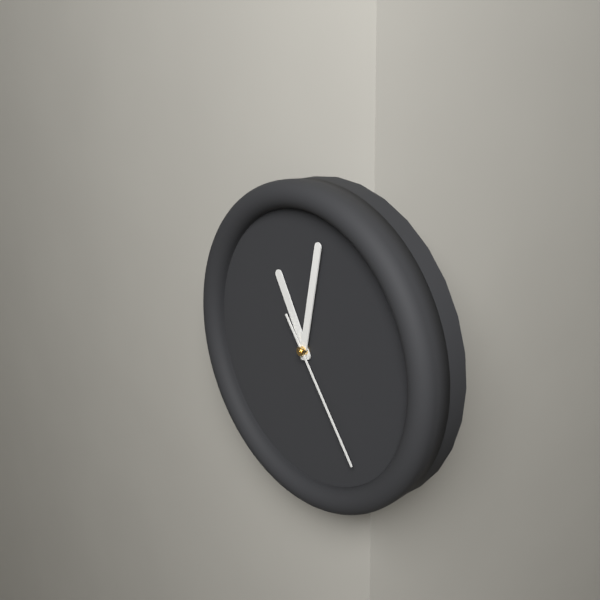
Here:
11 h 02 min 24 s
